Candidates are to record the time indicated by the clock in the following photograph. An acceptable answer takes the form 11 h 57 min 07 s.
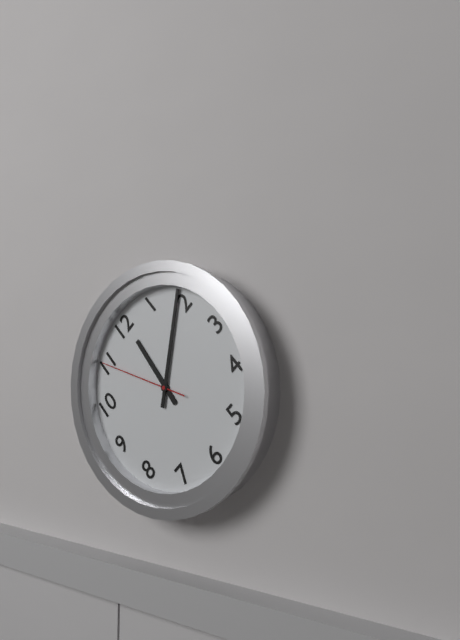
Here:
12 h 09 min 55 s
